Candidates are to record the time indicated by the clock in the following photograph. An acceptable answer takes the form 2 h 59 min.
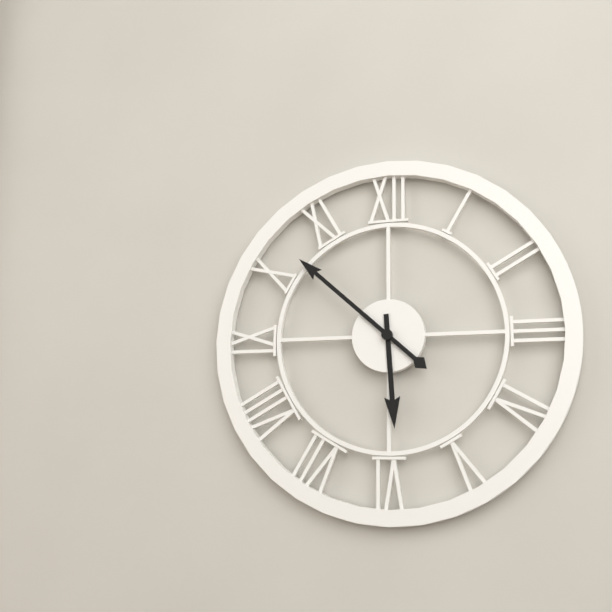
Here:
5 h 52 min
